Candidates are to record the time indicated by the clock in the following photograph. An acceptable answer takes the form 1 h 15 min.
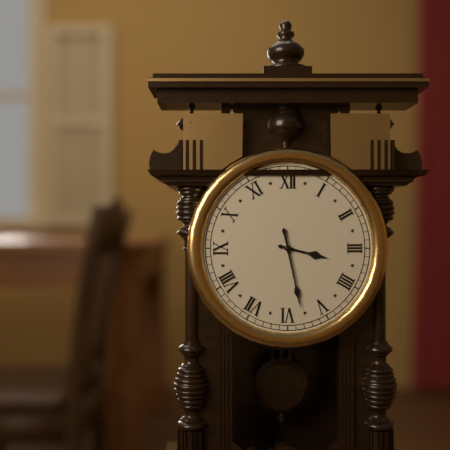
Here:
3 h 28 min
